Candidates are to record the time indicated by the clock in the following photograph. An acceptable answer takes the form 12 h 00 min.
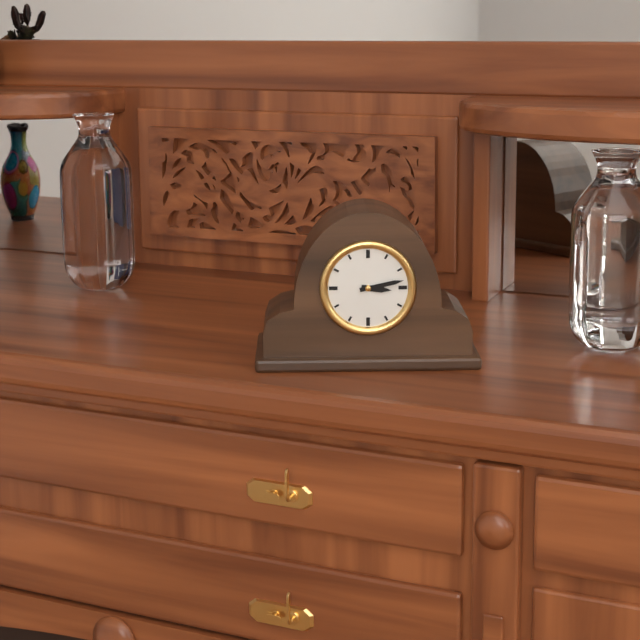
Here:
3 h 13 min
